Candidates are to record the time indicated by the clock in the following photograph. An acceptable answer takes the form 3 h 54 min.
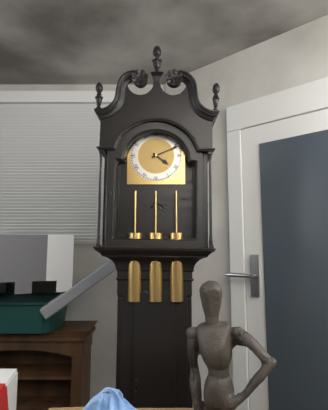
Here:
4 h 11 min
